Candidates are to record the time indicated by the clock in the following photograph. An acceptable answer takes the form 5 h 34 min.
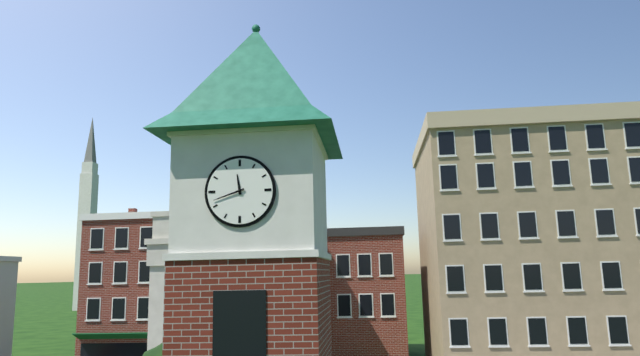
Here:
11 h 42 min
